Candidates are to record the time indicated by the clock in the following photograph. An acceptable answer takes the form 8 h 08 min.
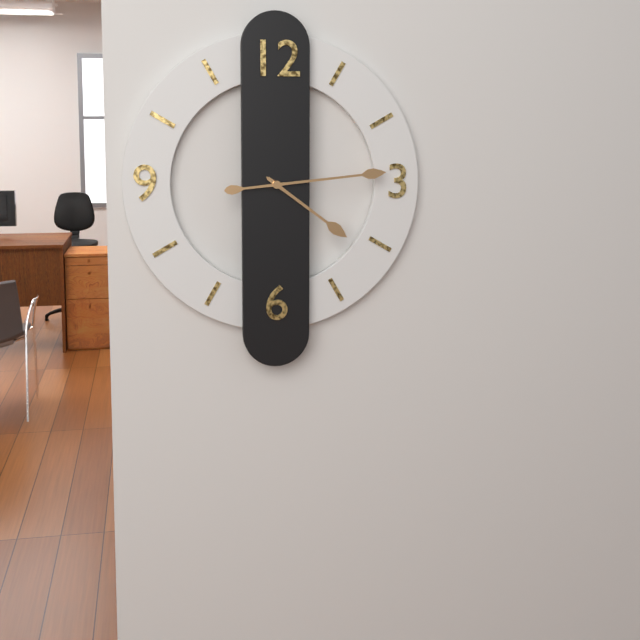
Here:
4 h 14 min
